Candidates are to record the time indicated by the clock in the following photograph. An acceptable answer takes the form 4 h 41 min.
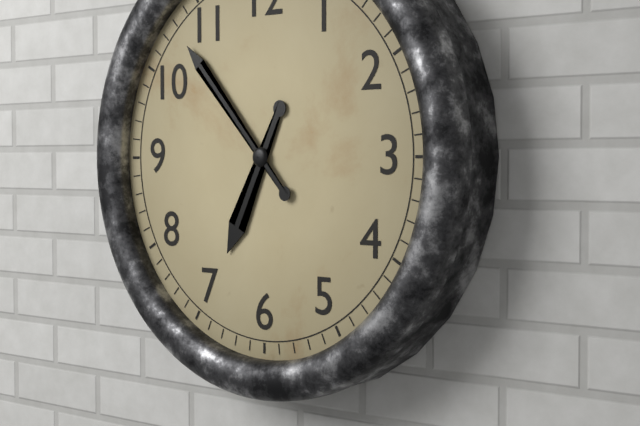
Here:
6 h 53 min
